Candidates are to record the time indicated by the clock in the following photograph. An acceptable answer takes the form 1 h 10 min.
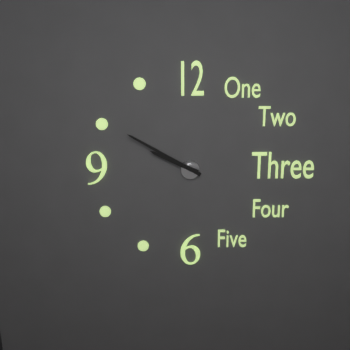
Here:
9 h 50 min
